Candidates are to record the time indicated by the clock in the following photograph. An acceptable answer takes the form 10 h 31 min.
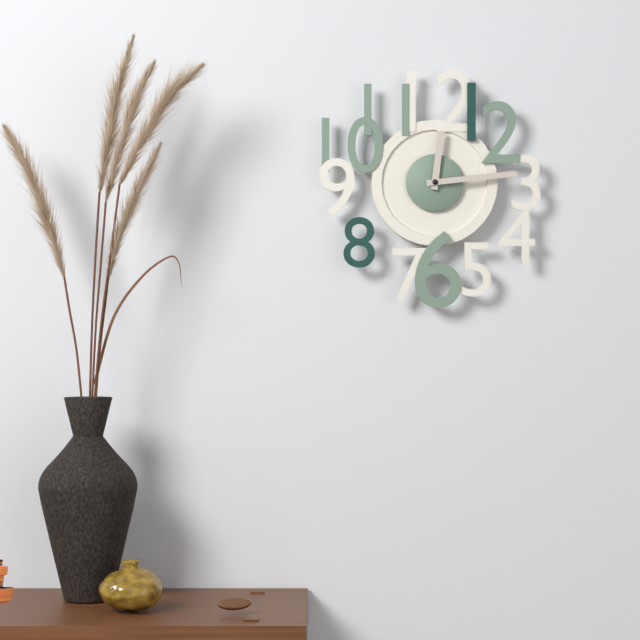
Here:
12 h 14 min
